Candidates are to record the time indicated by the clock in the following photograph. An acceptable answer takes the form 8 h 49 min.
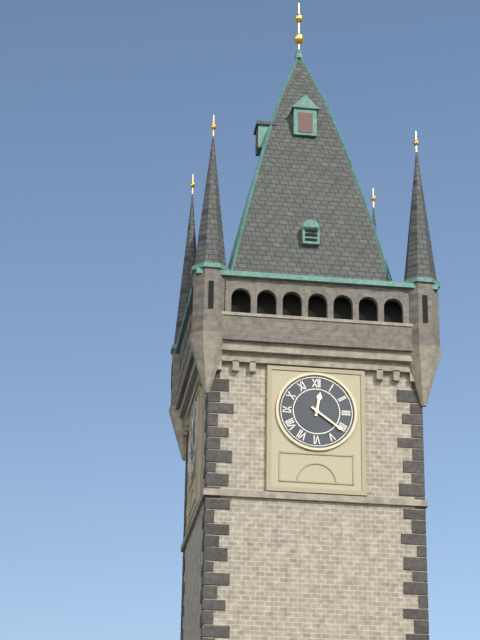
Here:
12 h 21 min
